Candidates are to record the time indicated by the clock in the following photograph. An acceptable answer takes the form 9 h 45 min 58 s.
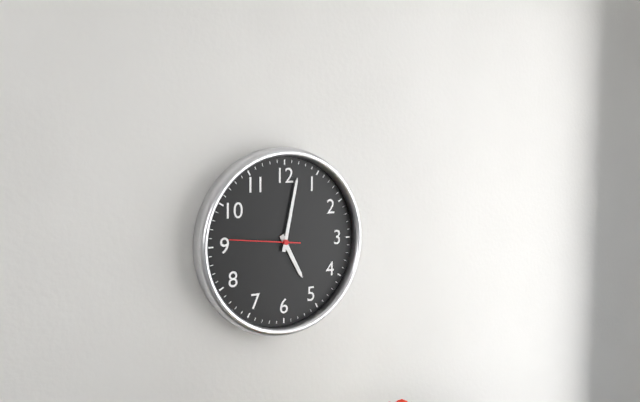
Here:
5 h 02 min 46 s
